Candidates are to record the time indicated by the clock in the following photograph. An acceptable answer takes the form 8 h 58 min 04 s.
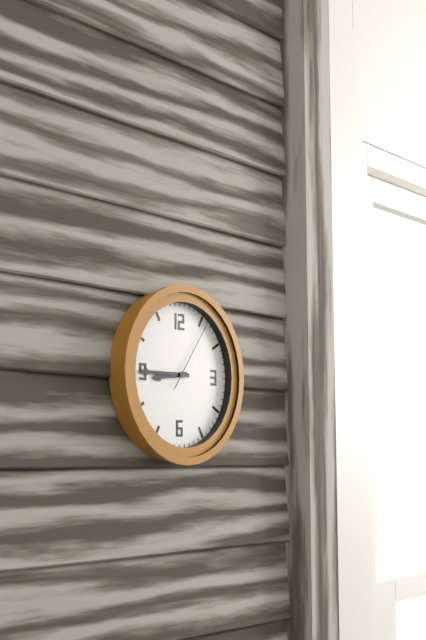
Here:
8 h 45 min 06 s
